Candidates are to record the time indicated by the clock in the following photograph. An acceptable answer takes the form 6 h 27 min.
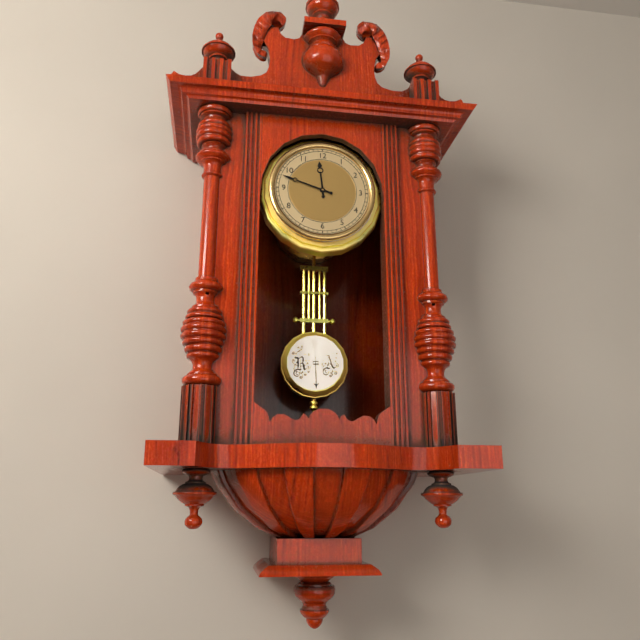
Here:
11 h 48 min
